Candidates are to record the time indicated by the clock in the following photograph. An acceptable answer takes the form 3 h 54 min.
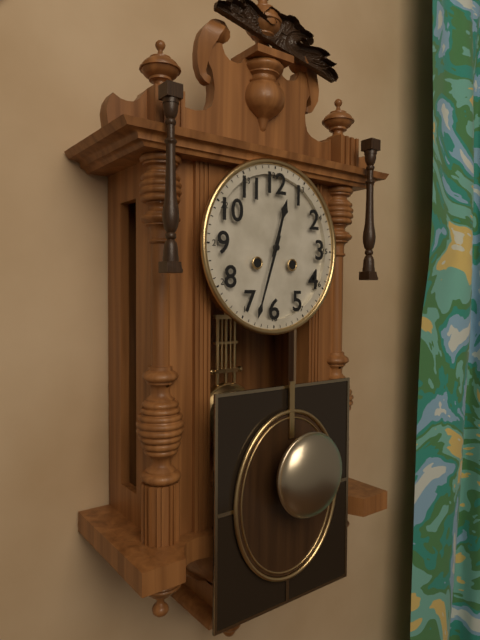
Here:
12 h 33 min
